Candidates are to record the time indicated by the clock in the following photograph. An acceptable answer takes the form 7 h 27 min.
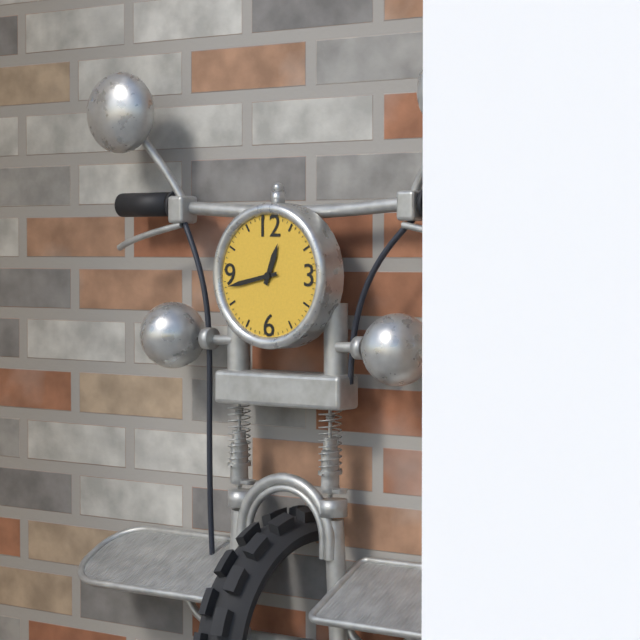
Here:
12 h 43 min
